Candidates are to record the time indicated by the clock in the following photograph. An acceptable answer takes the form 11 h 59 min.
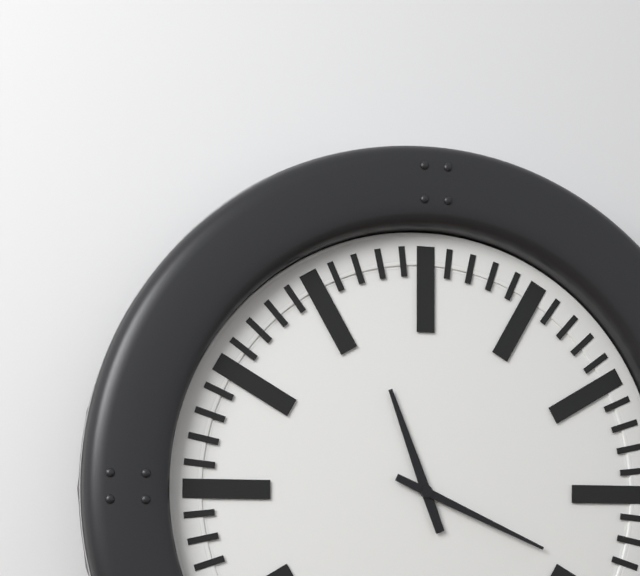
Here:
11 h 19 min
